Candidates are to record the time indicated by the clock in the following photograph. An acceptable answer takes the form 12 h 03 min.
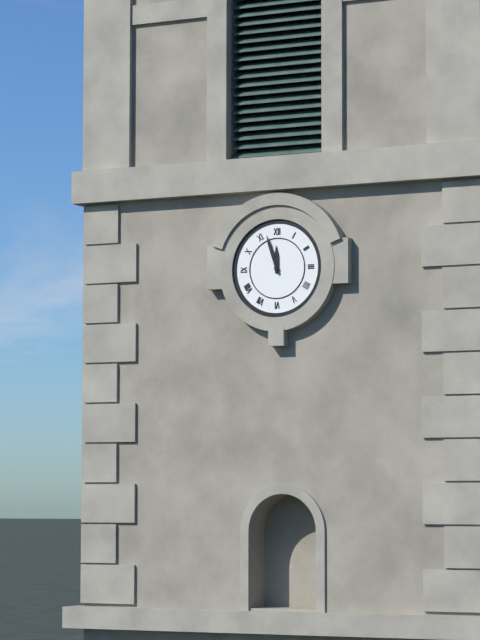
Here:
11 h 57 min
